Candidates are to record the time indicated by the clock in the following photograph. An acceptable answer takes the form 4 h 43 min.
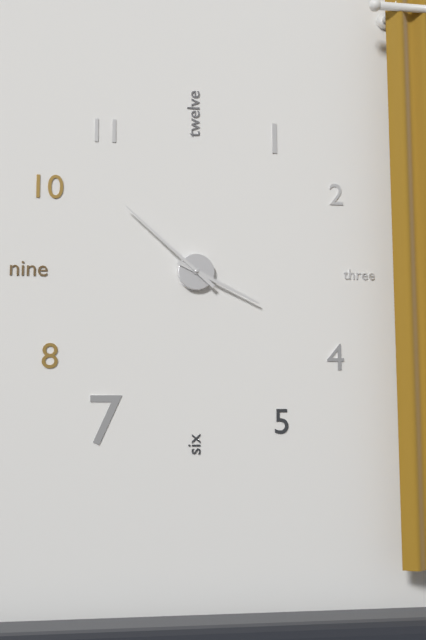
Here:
3 h 52 min
